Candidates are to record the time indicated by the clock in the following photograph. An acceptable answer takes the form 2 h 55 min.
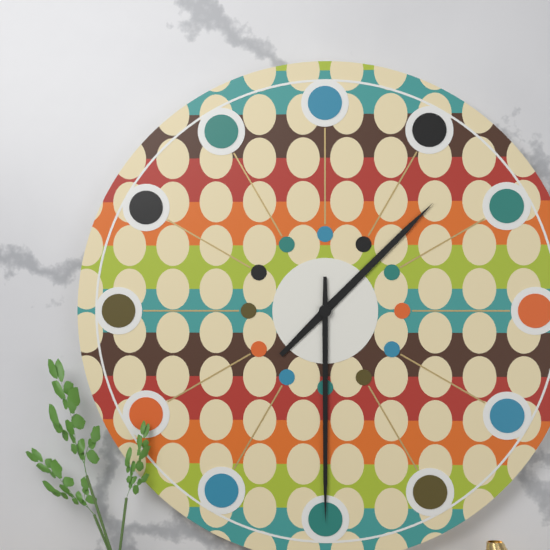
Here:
1 h 30 min
